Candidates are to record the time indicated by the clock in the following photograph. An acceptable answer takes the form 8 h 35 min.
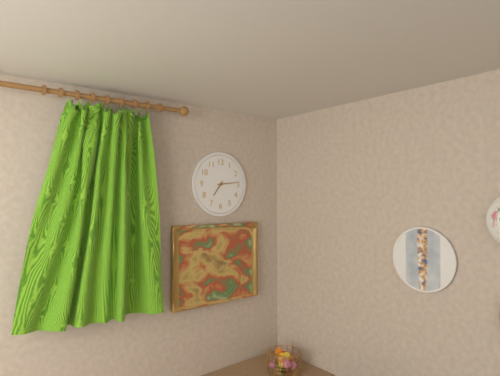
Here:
7 h 14 min
